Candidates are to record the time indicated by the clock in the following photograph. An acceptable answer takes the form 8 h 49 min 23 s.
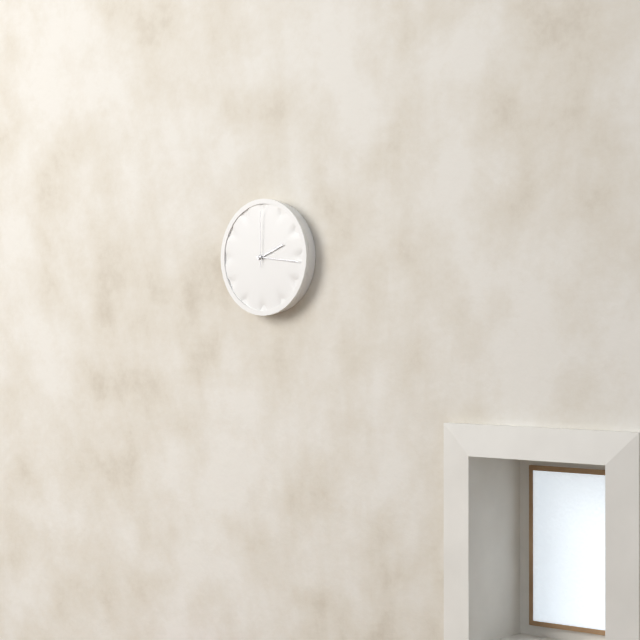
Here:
2 h 16 min 00 s
